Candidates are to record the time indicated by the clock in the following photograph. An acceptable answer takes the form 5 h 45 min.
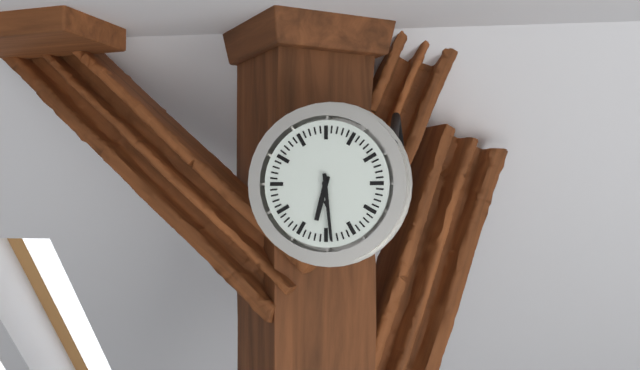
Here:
6 h 29 min
